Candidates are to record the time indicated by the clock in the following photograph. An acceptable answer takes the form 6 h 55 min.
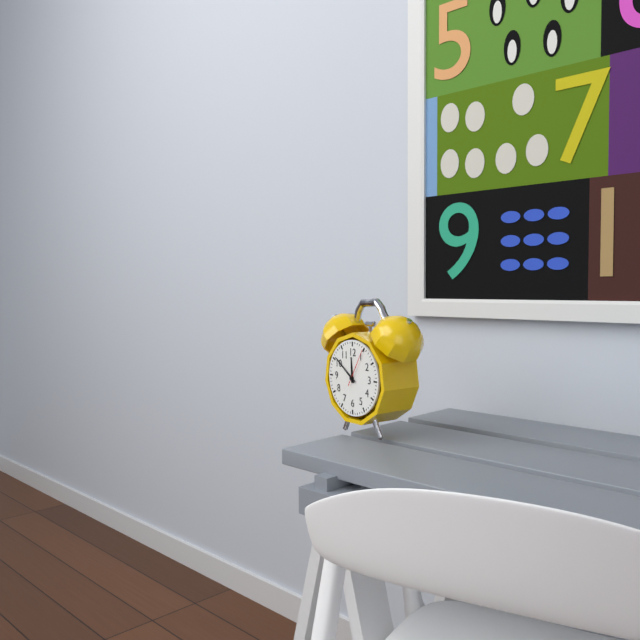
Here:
11 h 51 min
